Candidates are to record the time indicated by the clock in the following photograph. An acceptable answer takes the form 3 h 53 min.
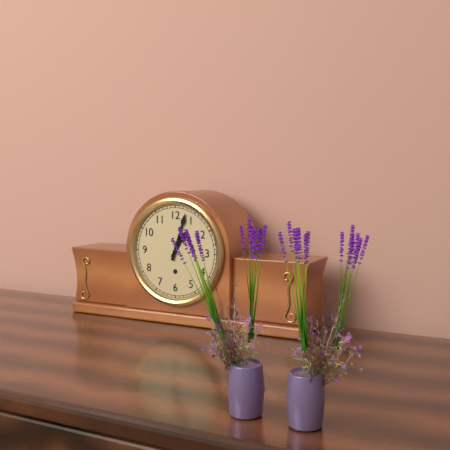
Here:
1 h 03 min
